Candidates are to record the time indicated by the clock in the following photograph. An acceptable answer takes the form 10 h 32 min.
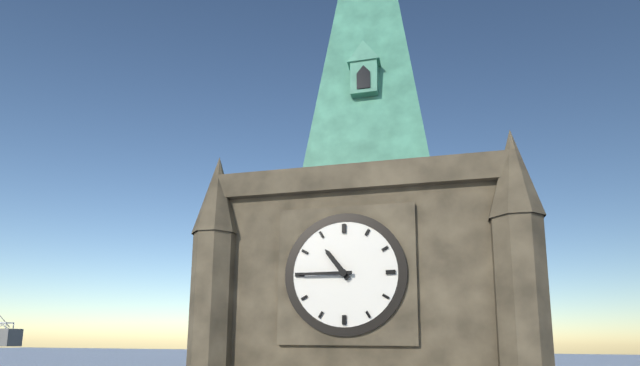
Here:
10 h 45 min
